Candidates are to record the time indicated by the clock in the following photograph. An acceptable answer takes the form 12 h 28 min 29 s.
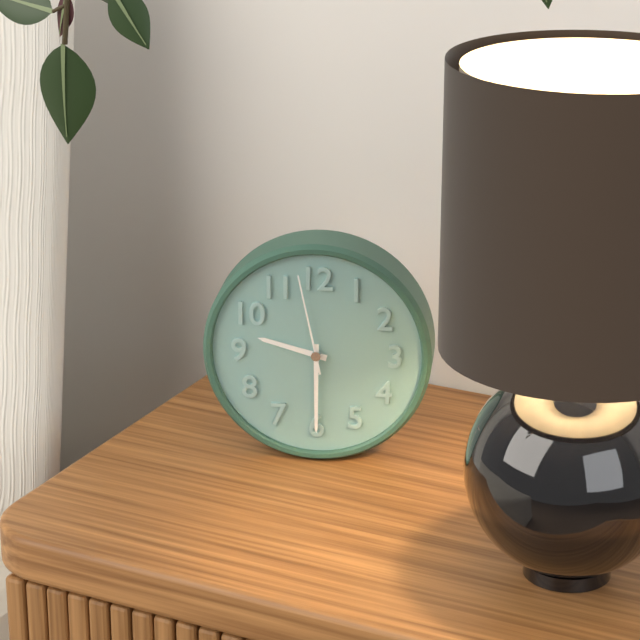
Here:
9 h 30 min 58 s
